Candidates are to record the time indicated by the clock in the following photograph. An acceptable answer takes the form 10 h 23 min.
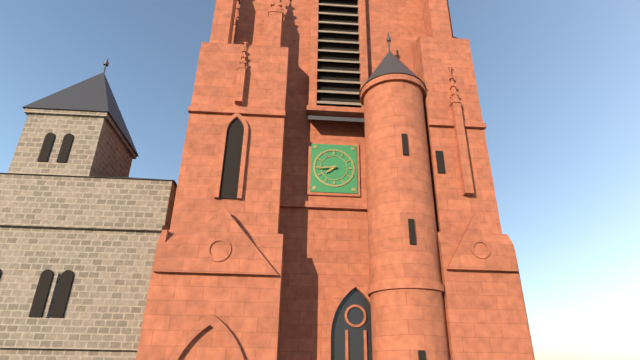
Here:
7 h 44 min
